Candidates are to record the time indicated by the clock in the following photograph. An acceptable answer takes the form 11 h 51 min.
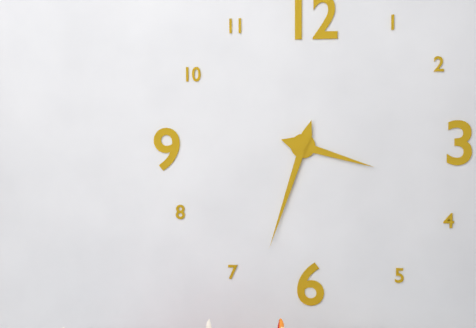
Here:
3 h 33 min
